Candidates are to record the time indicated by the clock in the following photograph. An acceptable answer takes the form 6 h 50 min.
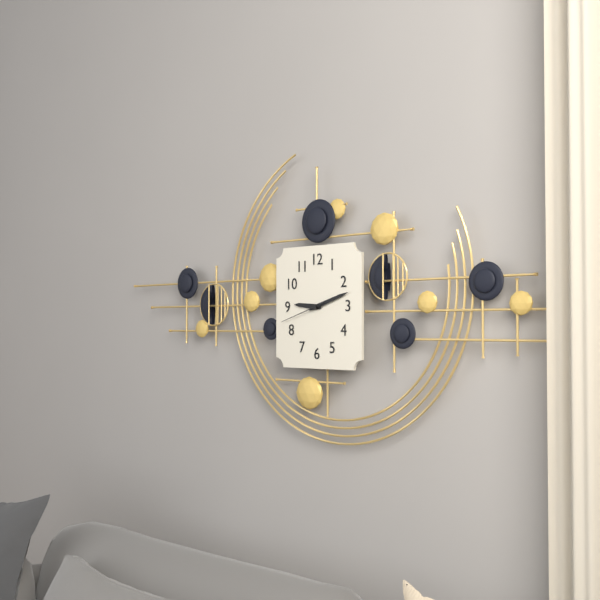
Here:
9 h 12 min
